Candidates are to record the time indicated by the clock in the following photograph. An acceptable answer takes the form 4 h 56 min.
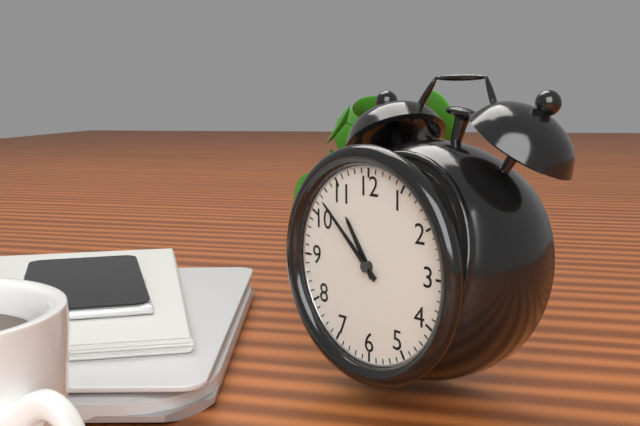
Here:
10 h 52 min
